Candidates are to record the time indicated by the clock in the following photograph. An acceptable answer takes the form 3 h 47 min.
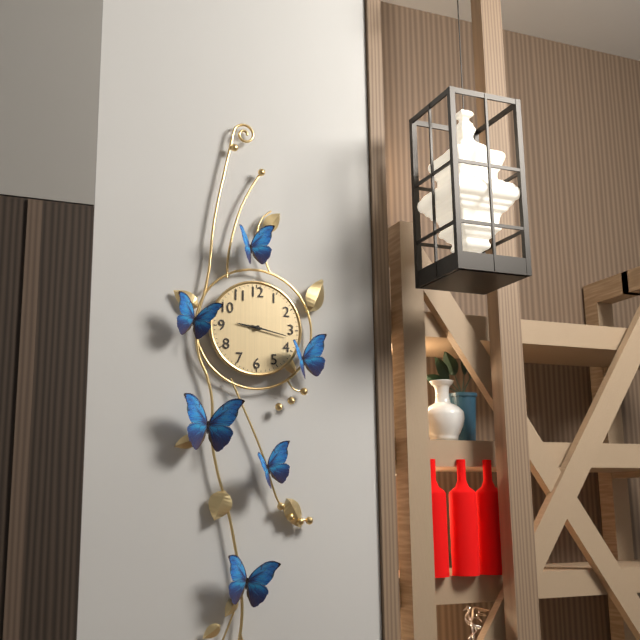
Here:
9 h 17 min
